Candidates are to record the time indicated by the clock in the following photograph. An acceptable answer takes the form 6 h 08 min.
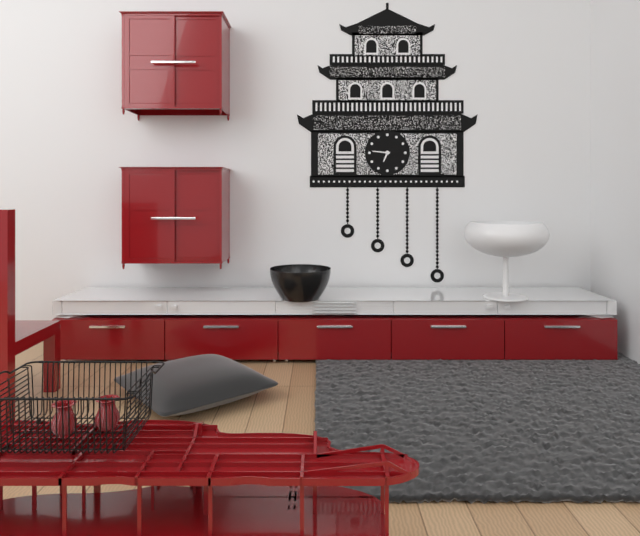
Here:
6 h 46 min
